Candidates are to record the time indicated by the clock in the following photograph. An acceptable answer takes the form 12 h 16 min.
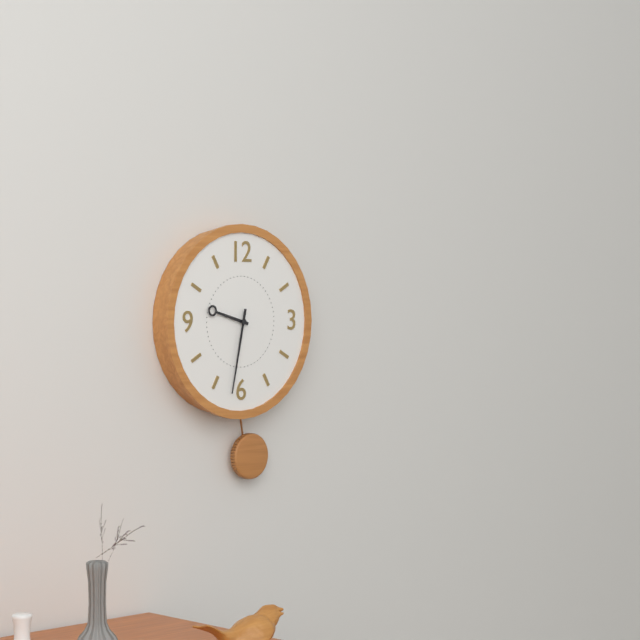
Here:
9 h 32 min
